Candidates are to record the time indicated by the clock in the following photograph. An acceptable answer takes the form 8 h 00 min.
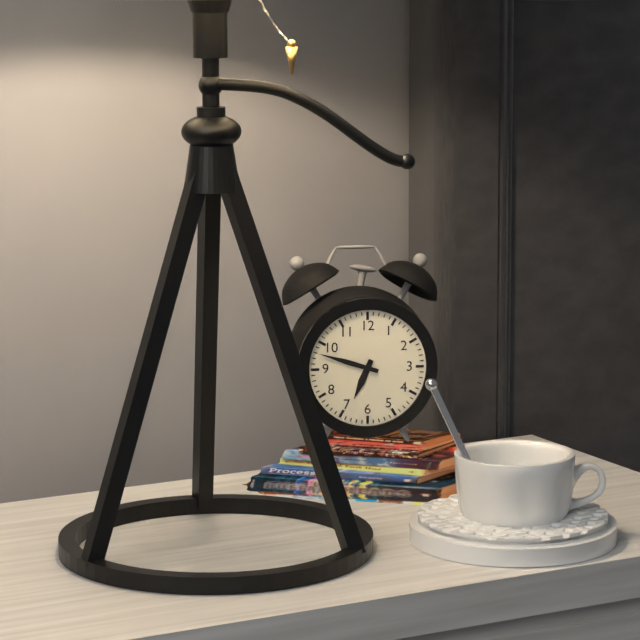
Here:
6 h 48 min
